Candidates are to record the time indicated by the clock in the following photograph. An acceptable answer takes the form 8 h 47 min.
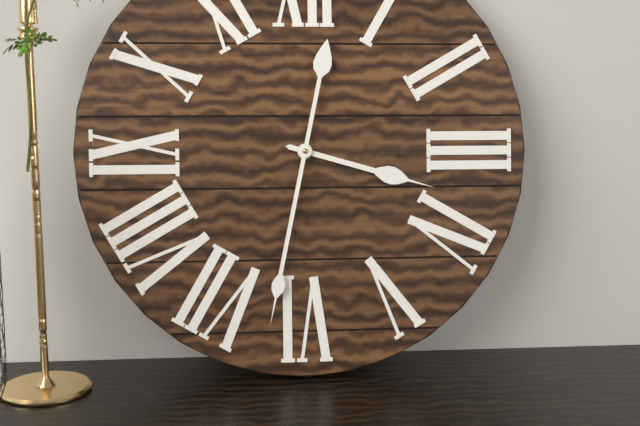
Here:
3 h 32 min
